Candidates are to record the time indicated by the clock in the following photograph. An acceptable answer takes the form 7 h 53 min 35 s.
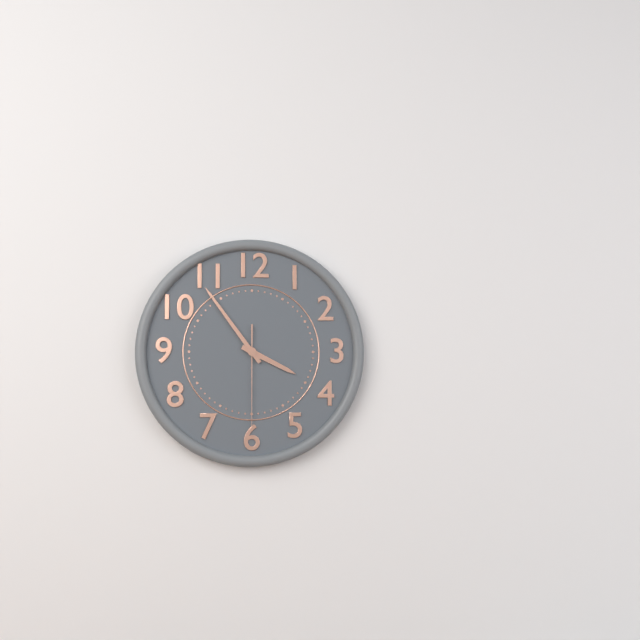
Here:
3 h 54 min 30 s
